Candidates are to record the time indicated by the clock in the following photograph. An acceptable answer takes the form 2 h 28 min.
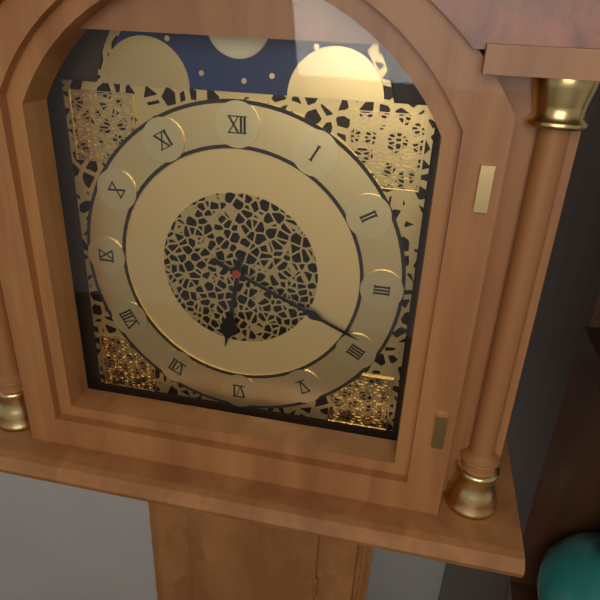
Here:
6 h 19 min
